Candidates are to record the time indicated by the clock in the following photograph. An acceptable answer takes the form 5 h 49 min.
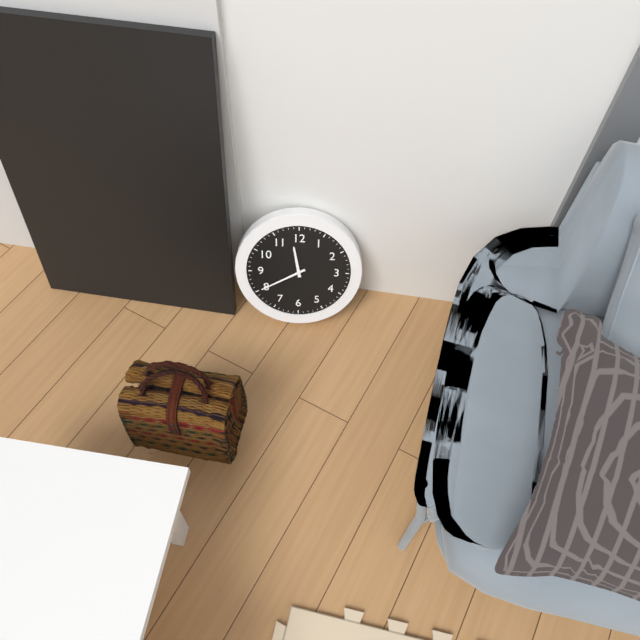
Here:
11 h 40 min
